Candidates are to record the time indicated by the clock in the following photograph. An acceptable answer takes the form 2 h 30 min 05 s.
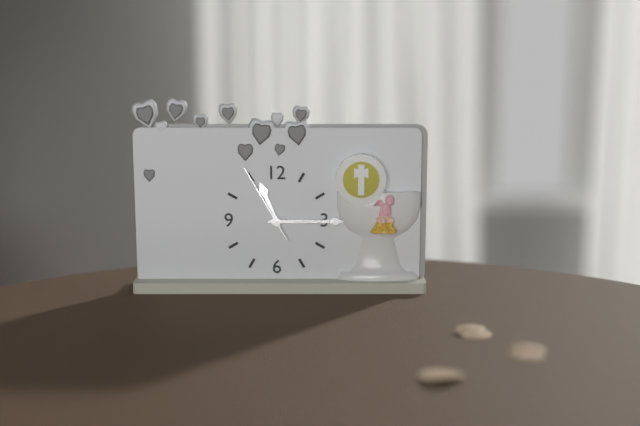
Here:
11 h 15 min 55 s
